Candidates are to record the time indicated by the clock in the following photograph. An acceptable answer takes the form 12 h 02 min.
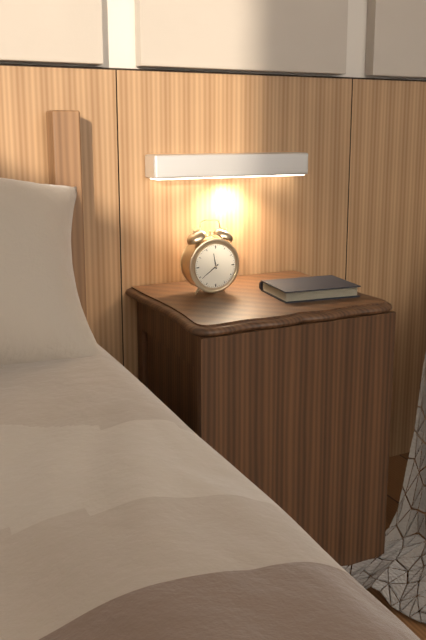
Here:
11 h 39 min
